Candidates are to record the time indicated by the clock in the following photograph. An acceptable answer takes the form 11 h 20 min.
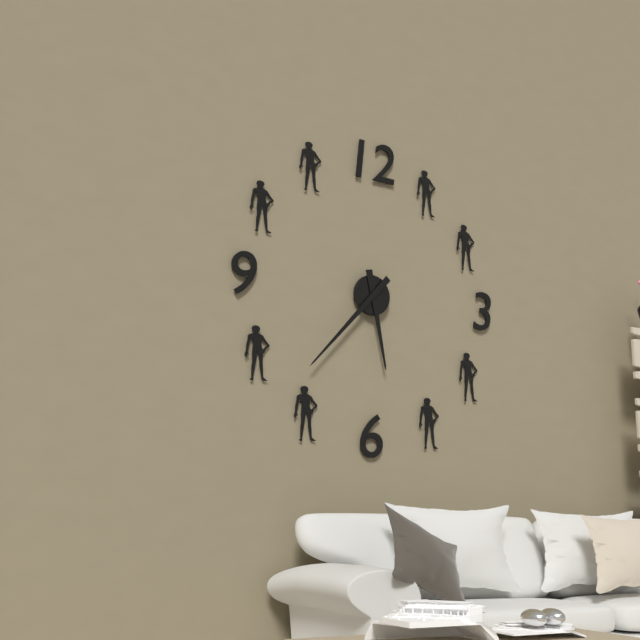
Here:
5 h 37 min
